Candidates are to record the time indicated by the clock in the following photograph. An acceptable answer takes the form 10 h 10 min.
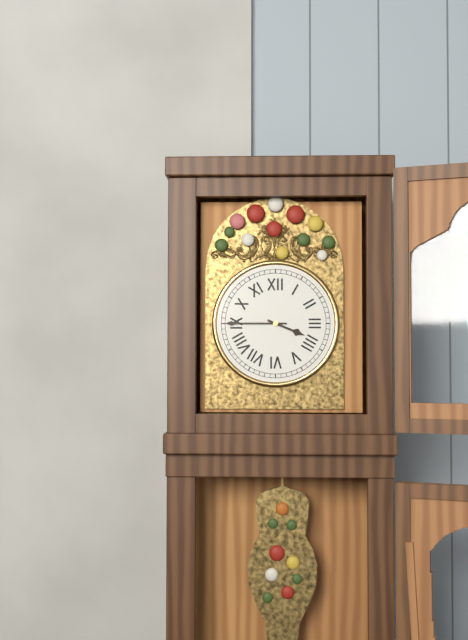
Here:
3 h 45 min
